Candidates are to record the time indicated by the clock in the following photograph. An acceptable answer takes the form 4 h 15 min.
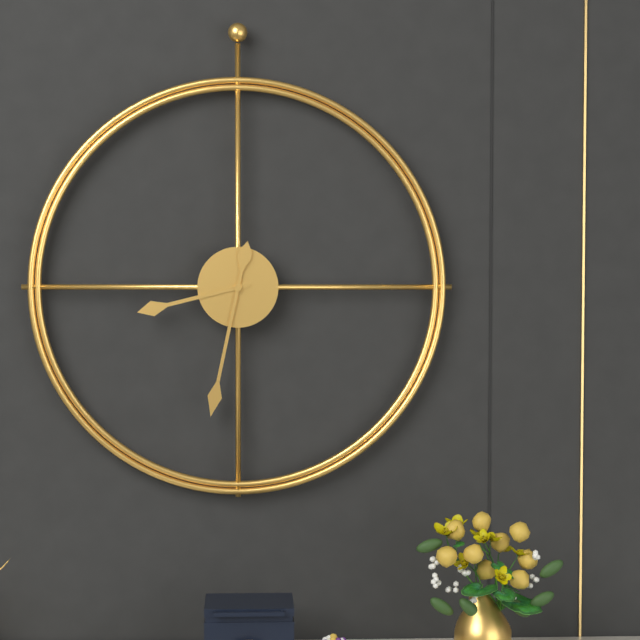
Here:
8 h 32 min
